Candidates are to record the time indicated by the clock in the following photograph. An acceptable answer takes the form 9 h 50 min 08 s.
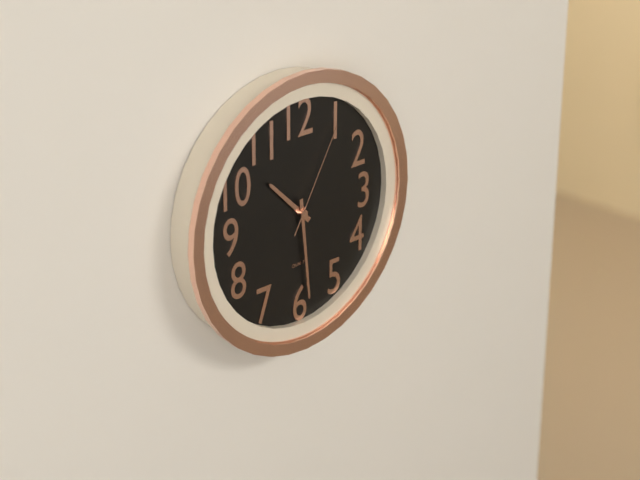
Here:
10 h 29 min 05 s
